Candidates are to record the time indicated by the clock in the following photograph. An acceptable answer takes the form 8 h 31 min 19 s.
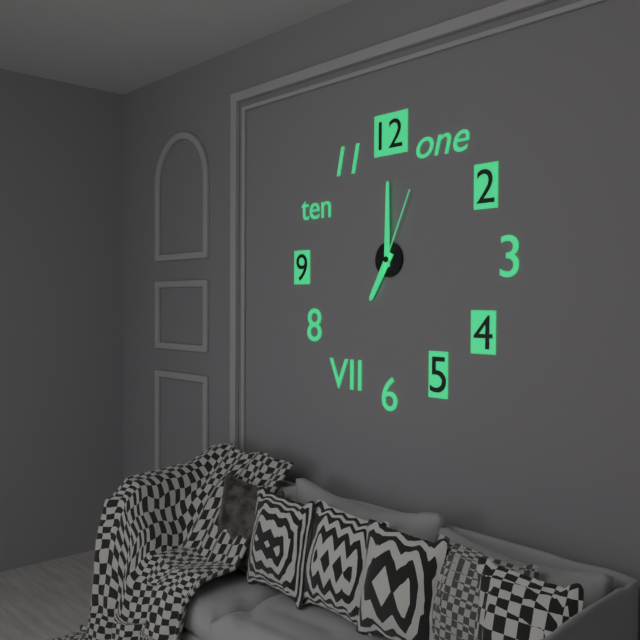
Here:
7 h 00 min 04 s
